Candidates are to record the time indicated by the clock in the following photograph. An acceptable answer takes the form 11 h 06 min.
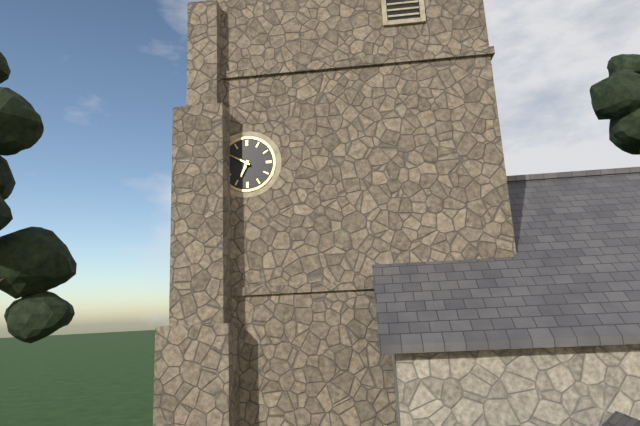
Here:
6 h 50 min
